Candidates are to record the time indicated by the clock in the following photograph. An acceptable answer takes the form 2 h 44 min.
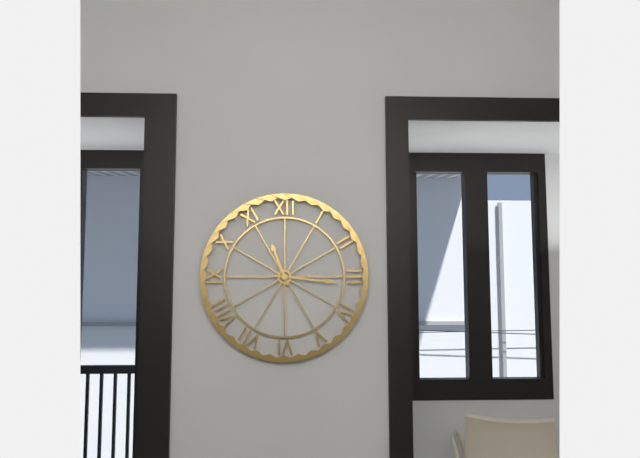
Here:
11 h 16 min
